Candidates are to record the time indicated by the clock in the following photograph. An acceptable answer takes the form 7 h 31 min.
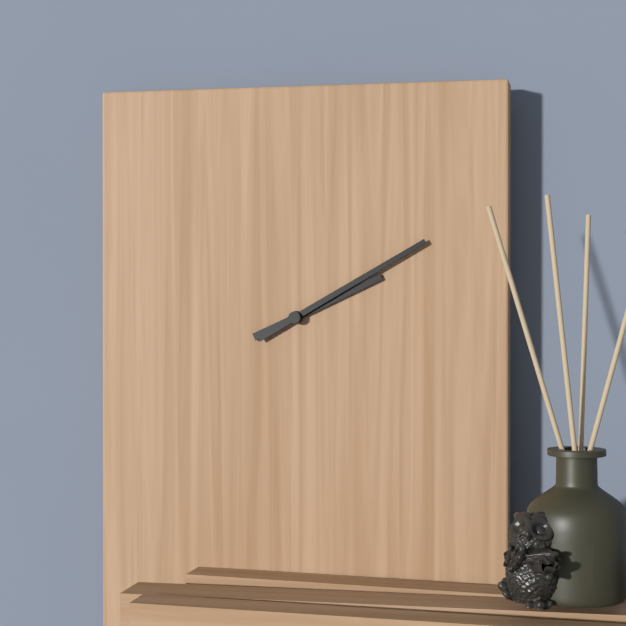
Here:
2 h 10 min
